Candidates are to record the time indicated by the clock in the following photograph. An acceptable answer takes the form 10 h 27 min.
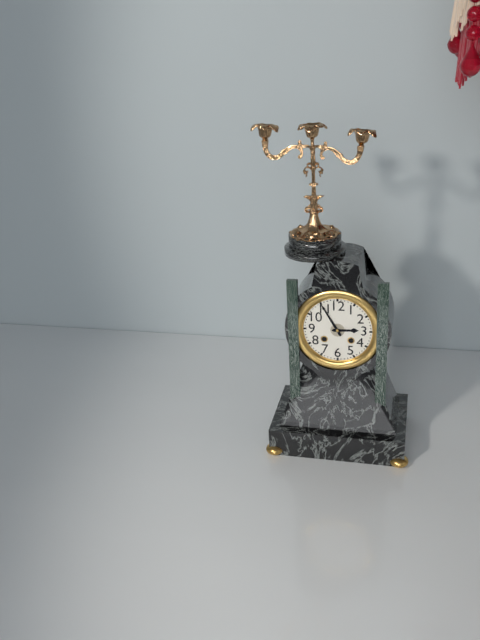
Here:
2 h 55 min
